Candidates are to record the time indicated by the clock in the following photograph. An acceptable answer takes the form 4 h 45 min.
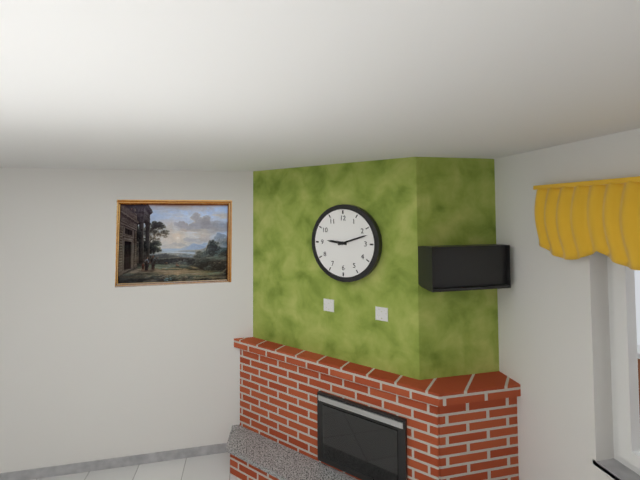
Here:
9 h 12 min
